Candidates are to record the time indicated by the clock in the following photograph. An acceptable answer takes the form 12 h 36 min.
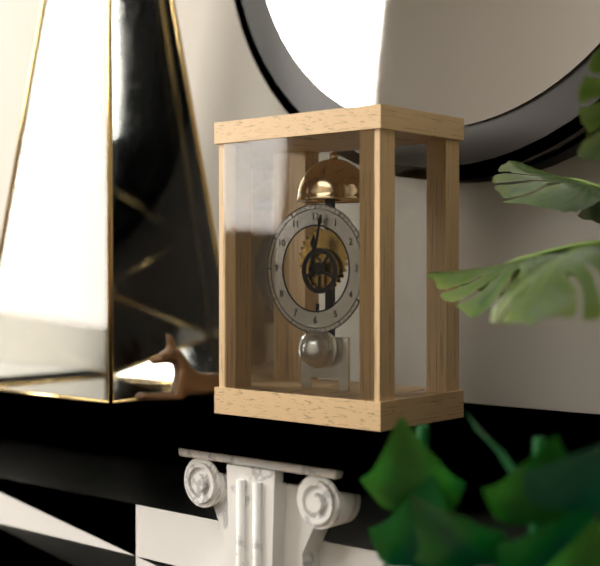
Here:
12 h 02 min
